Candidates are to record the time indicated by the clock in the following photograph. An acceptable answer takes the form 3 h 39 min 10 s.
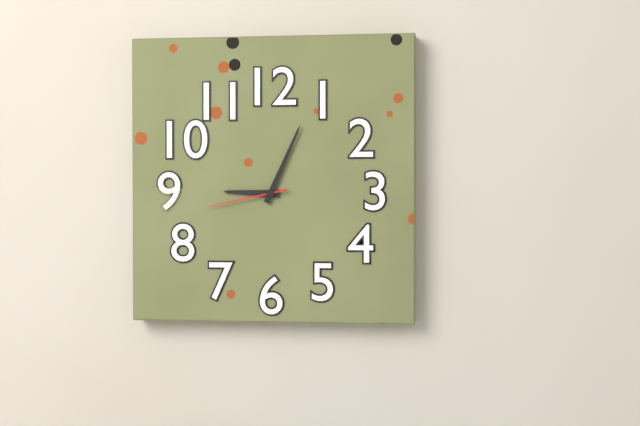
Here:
9 h 04 min 43 s
